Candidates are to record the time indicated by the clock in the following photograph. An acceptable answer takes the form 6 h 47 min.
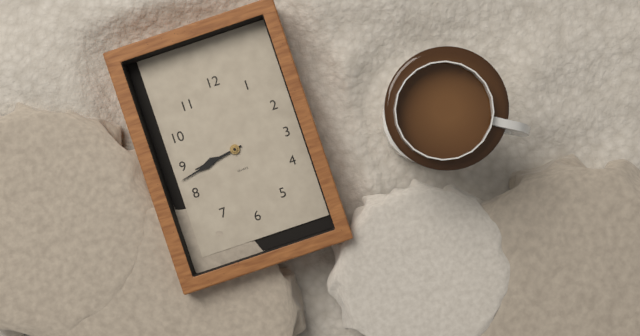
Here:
8 h 43 min
